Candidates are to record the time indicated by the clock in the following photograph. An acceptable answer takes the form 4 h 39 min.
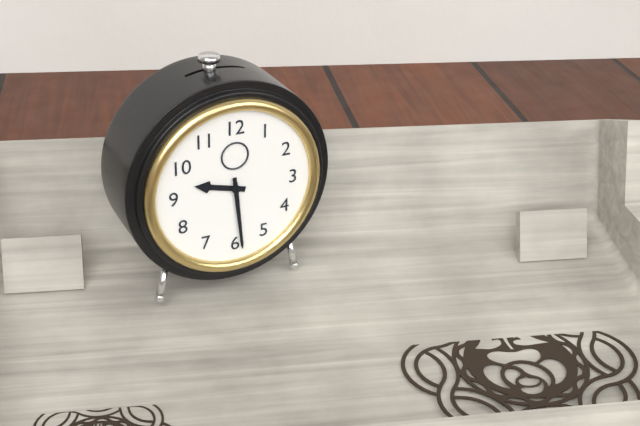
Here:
9 h 29 min
